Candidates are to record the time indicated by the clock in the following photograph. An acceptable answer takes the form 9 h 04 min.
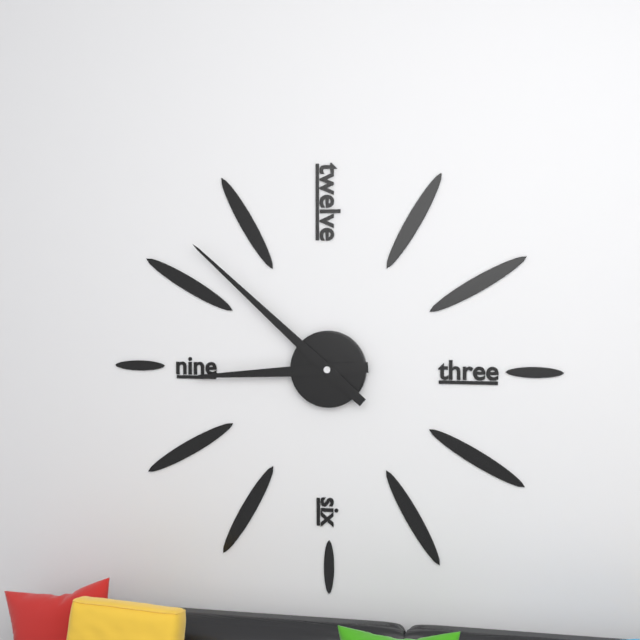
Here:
8 h 52 min
